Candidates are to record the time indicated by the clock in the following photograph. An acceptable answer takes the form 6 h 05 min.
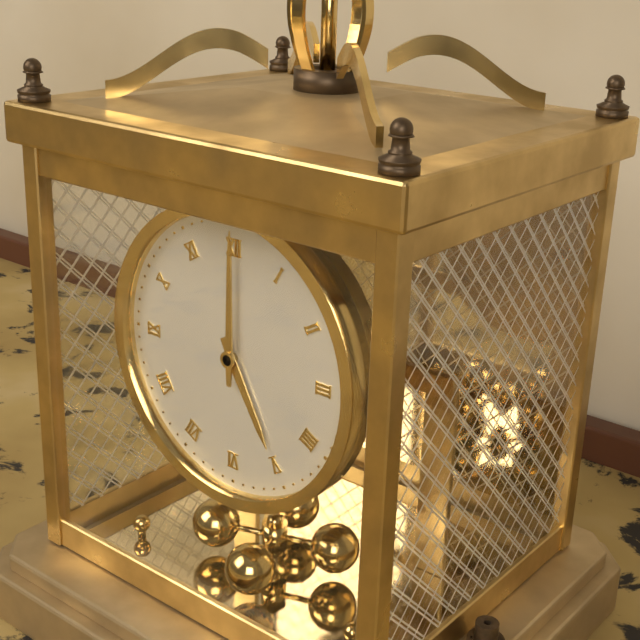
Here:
5 h 00 min
